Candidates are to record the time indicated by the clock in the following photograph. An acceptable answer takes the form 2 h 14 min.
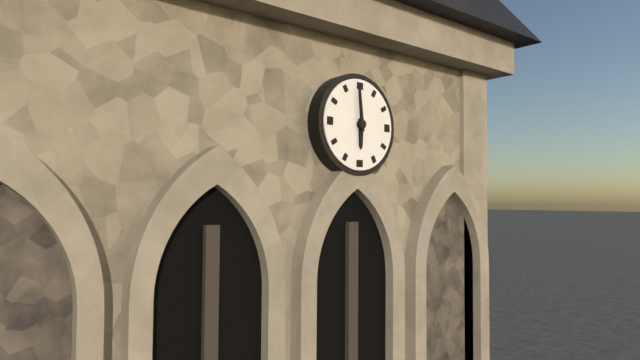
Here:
5 h 59 min
